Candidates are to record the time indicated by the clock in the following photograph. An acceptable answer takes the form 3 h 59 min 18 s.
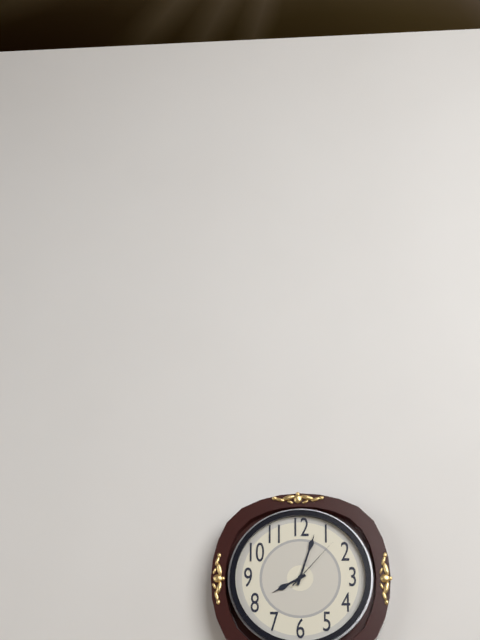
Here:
8 h 03 min 07 s
